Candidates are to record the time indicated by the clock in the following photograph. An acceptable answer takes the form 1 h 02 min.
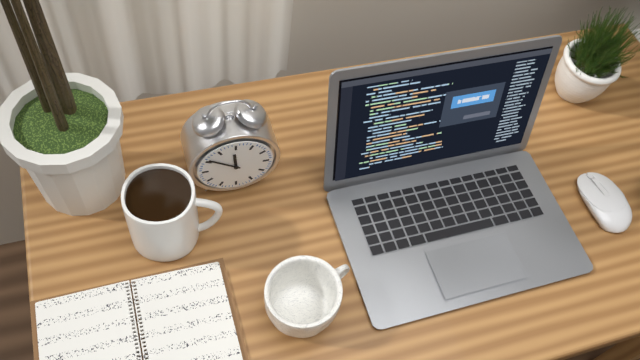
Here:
11 h 51 min
